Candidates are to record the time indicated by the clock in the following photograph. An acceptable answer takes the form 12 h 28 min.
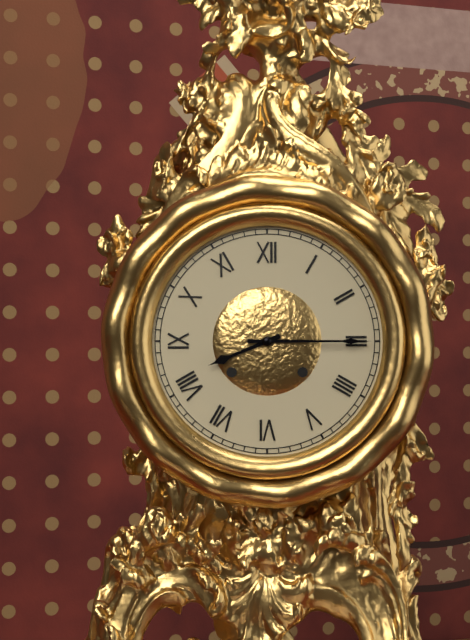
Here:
8 h 15 min
